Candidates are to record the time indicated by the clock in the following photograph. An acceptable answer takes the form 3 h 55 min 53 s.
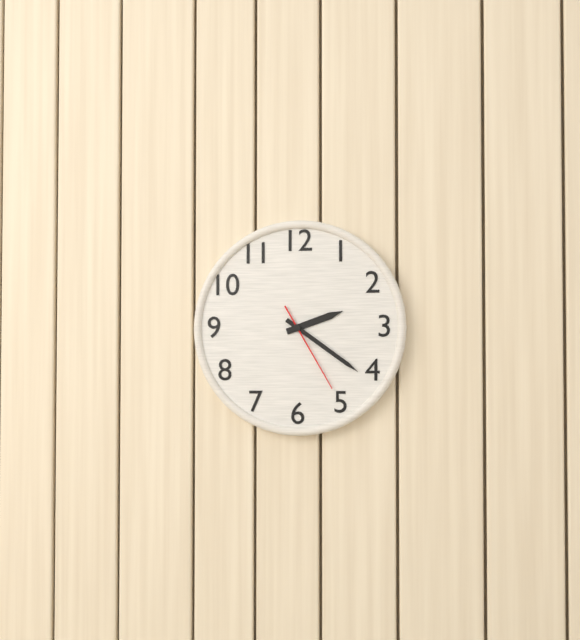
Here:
2 h 21 min 25 s
